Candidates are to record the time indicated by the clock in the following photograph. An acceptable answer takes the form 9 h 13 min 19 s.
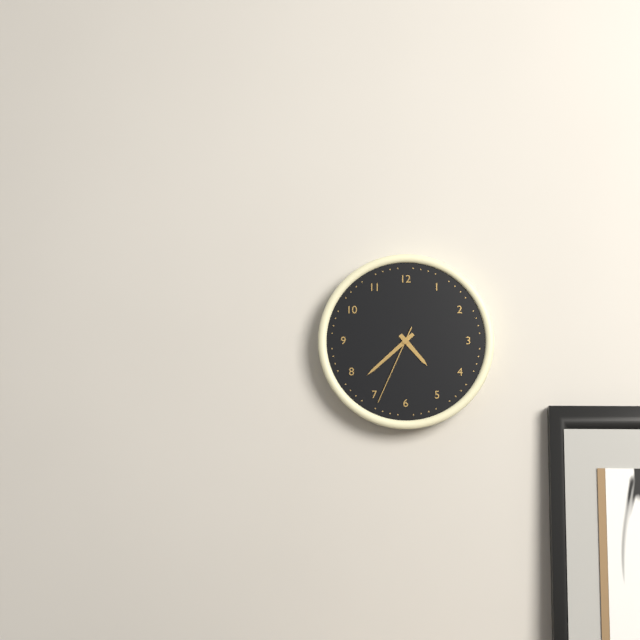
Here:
4 h 38 min 34 s
